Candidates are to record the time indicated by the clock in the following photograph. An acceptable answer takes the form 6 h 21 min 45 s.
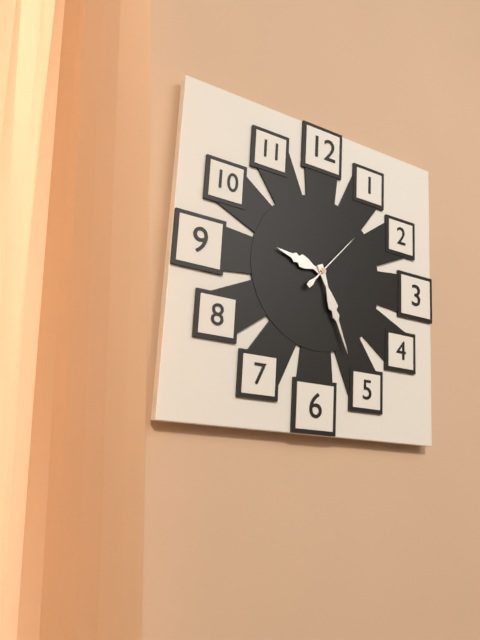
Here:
9 h 26 min 07 s
